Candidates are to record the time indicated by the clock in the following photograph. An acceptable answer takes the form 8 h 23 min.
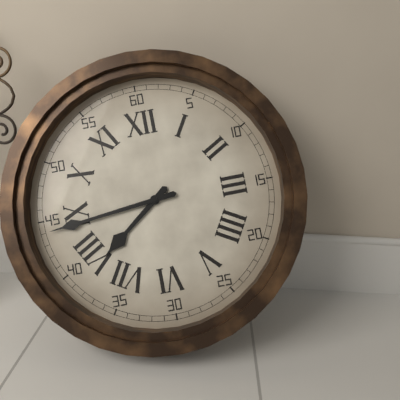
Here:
7 h 44 min
